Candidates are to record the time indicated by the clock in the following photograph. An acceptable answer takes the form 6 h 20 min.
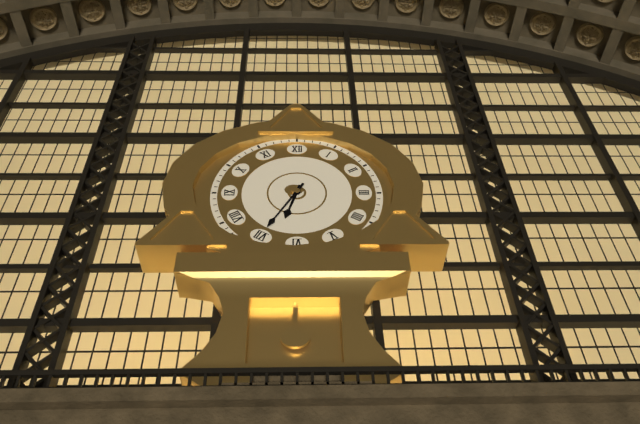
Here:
6 h 35 min
